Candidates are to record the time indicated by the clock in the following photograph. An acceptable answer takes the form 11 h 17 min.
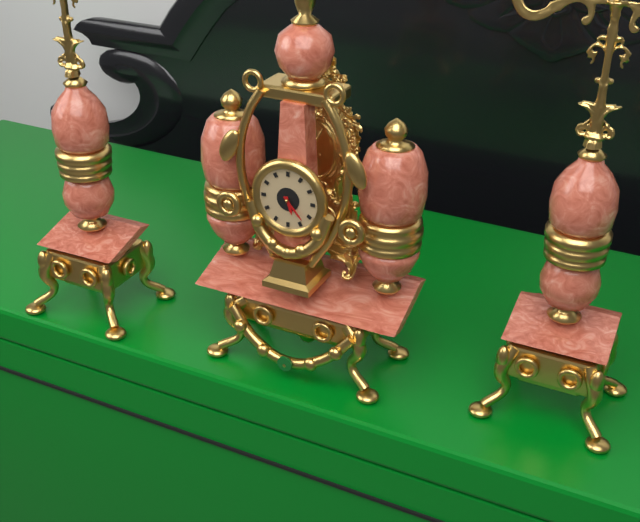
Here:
5 h 23 min
